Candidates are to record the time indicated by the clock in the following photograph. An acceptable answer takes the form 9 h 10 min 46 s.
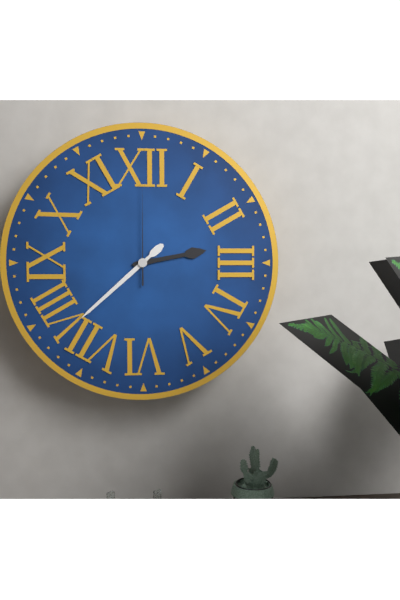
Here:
2 h 38 min 00 s
